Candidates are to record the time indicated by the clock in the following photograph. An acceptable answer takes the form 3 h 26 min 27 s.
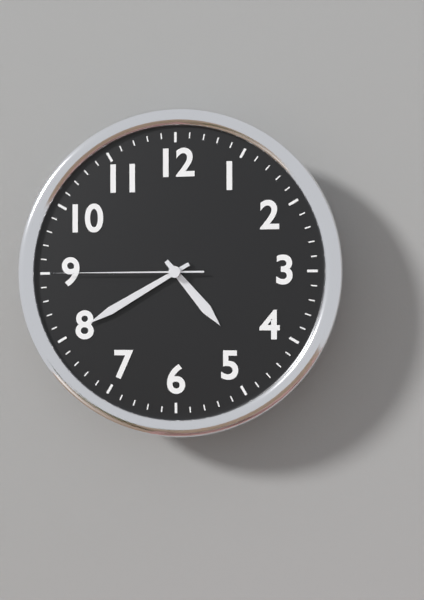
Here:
4 h 40 min 45 s
